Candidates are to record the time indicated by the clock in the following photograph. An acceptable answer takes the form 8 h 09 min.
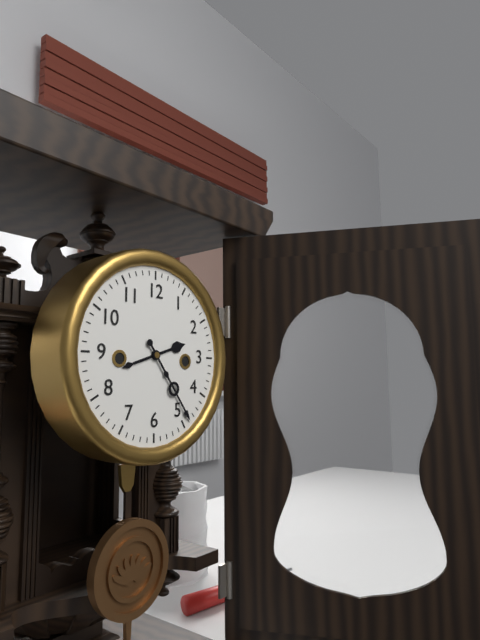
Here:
2 h 24 min
